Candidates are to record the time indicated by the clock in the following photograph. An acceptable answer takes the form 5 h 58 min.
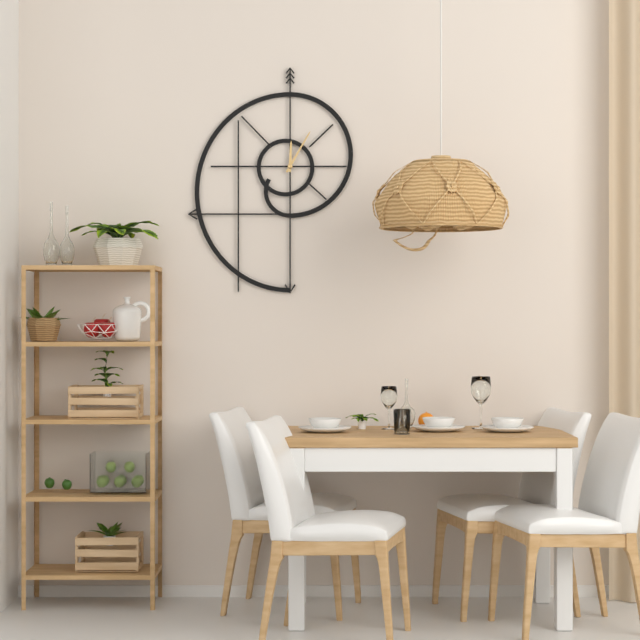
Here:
12 h 05 min
